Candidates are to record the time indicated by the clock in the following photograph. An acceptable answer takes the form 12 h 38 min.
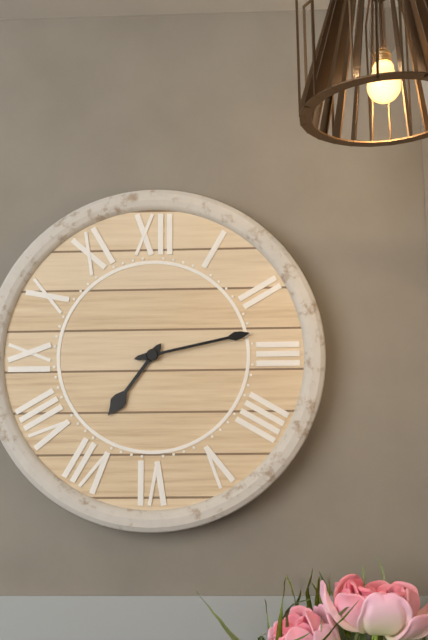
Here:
7 h 13 min
